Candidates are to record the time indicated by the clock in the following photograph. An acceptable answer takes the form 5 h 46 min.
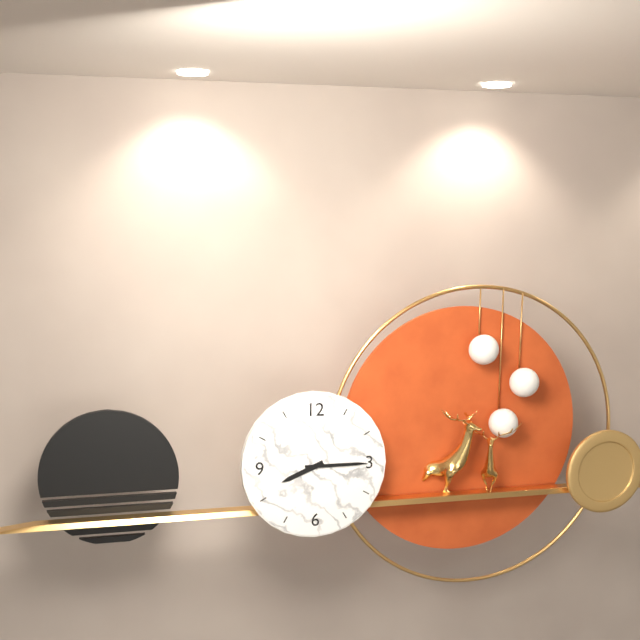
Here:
8 h 15 min
